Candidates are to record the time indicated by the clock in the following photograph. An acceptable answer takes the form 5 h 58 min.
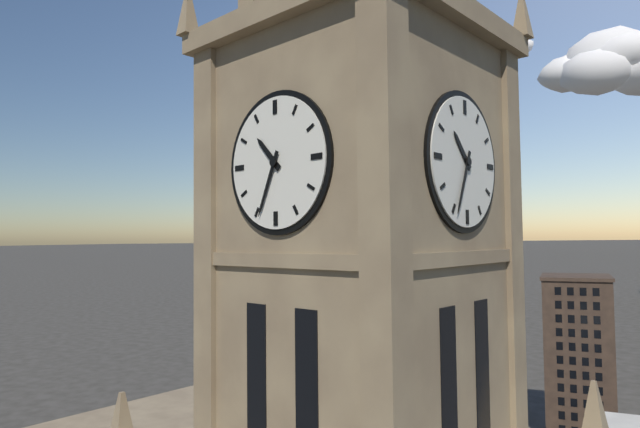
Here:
10 h 34 min
